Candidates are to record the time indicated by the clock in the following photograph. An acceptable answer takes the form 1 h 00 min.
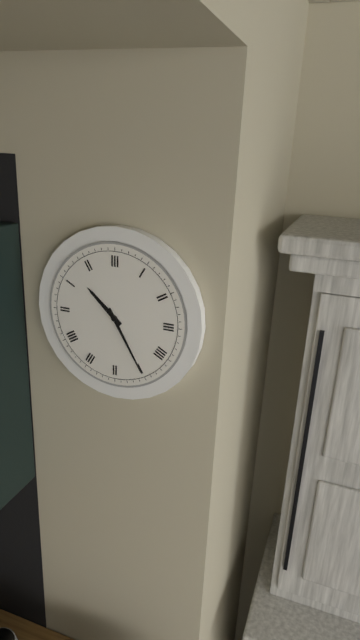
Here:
10 h 25 min
